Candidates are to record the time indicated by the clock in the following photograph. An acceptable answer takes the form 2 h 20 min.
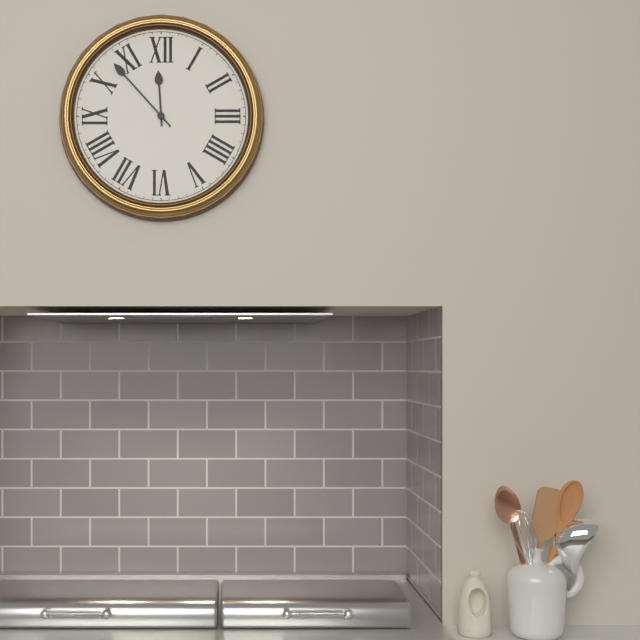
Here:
11 h 53 min
